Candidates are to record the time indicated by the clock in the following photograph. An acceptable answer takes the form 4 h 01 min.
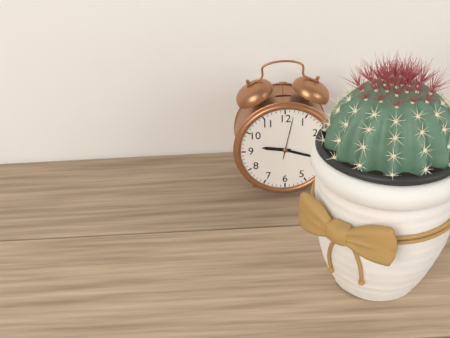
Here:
9 h 18 min
